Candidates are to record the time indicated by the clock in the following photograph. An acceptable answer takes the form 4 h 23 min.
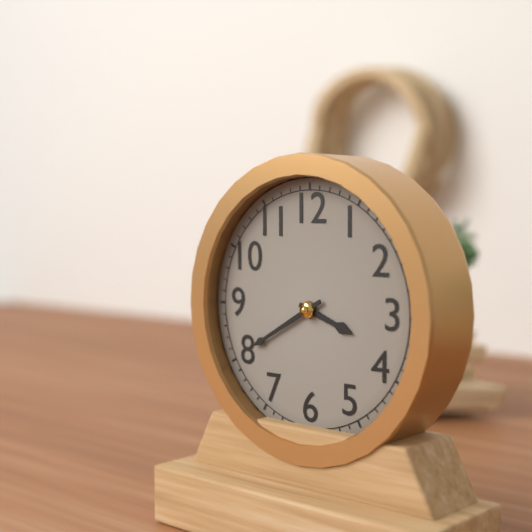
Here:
3 h 40 min
